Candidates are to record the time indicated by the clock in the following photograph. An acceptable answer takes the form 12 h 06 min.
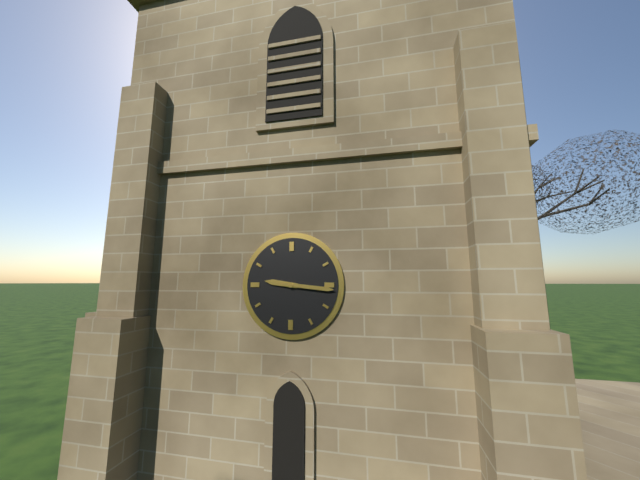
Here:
9 h 16 min
